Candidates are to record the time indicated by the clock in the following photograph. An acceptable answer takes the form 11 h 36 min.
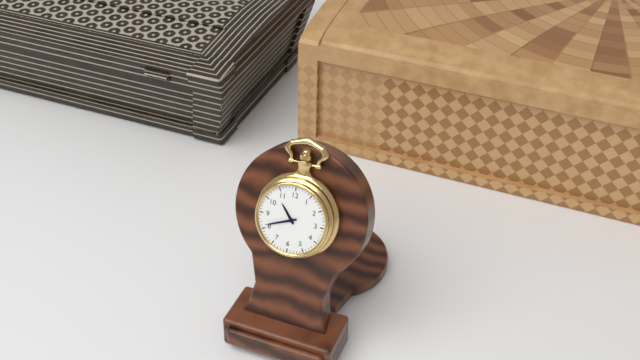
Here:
10 h 41 min
